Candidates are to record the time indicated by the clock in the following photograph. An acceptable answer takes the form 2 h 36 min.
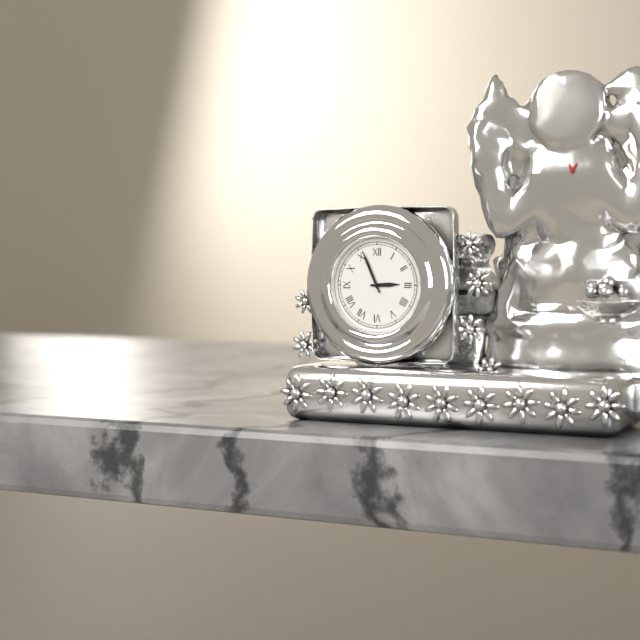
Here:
2 h 56 min
